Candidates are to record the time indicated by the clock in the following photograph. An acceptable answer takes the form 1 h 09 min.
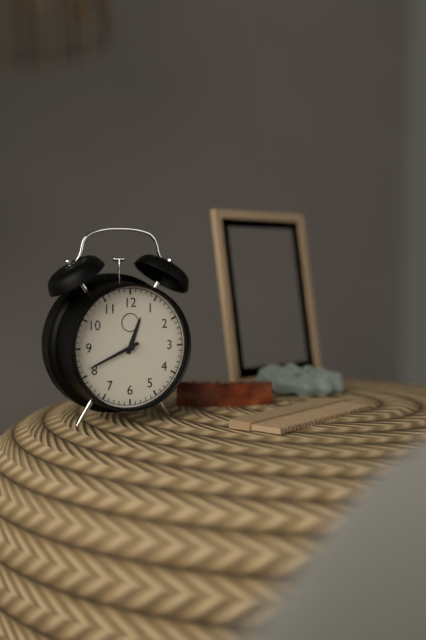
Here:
12 h 41 min
